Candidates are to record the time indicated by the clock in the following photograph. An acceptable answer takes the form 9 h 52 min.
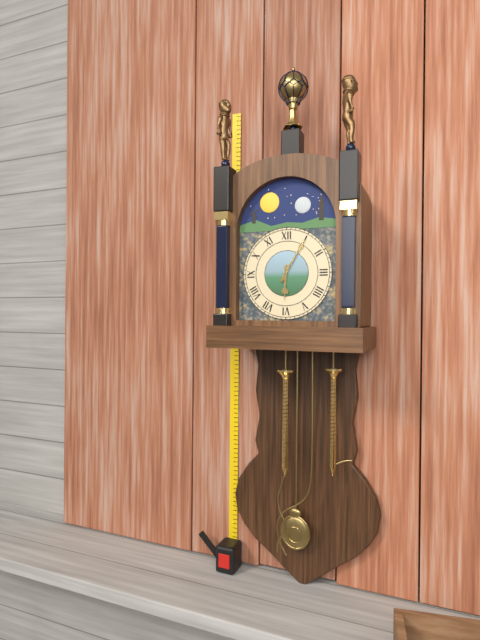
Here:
6 h 05 min
